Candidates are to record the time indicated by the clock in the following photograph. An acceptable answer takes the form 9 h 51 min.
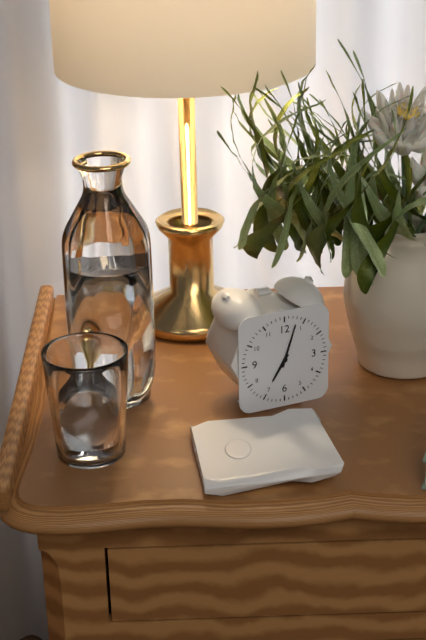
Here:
7 h 03 min
